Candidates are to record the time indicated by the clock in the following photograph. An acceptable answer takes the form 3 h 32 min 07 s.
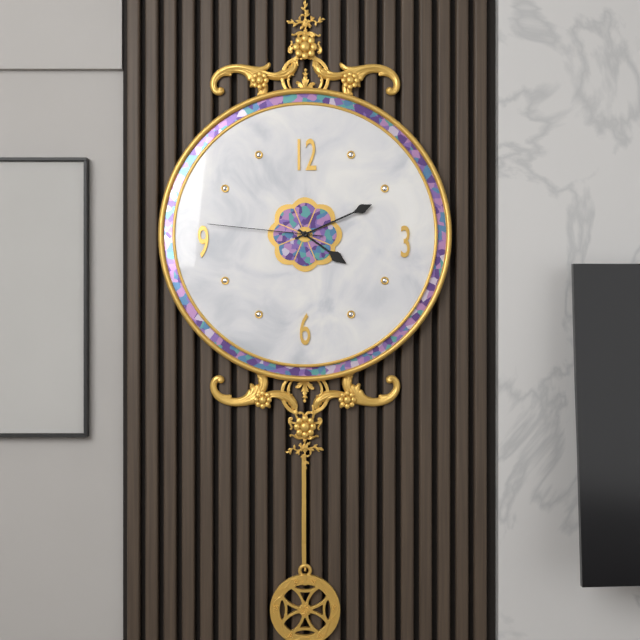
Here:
4 h 11 min 46 s
